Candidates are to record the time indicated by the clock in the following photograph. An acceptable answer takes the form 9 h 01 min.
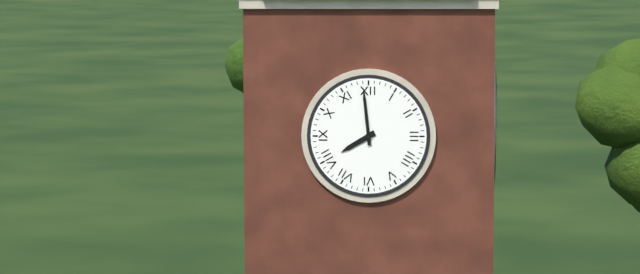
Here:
7 h 59 min
